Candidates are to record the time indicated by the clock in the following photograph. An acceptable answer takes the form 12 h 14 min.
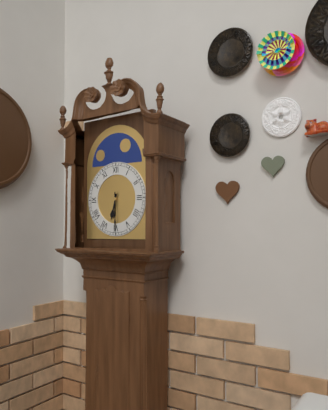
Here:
6 h 30 min
